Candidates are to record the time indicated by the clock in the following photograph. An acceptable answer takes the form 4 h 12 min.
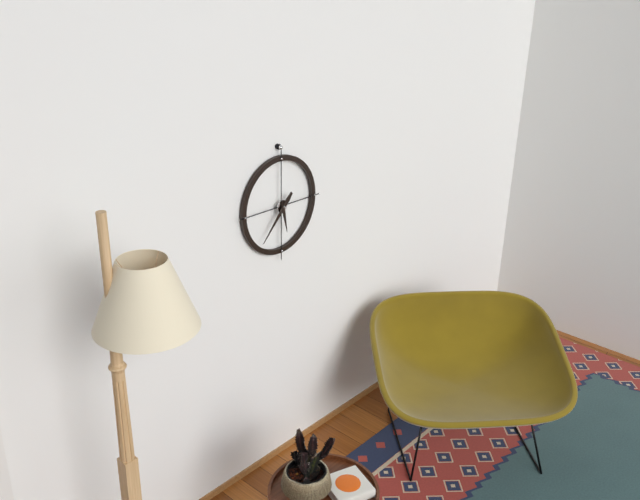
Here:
5 h 37 min
